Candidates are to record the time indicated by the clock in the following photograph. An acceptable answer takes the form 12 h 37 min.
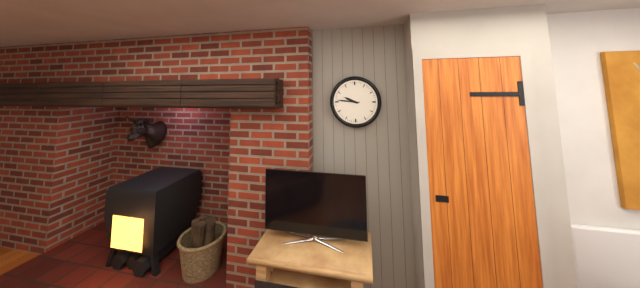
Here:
9 h 46 min
